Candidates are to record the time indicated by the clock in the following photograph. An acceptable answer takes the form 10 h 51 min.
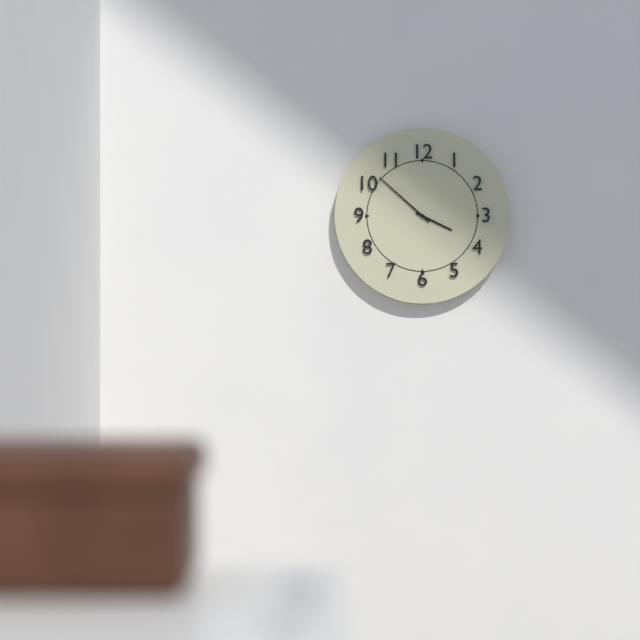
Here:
3 h 52 min
